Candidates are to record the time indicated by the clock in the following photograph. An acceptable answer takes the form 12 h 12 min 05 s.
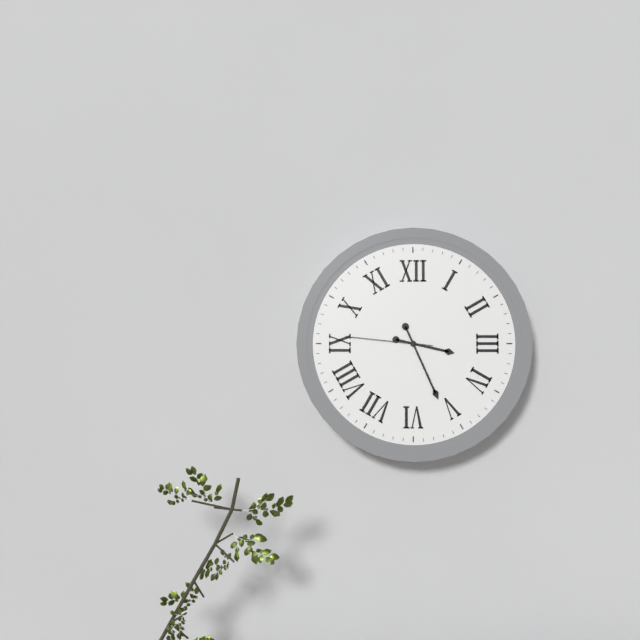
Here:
3 h 26 min 46 s
